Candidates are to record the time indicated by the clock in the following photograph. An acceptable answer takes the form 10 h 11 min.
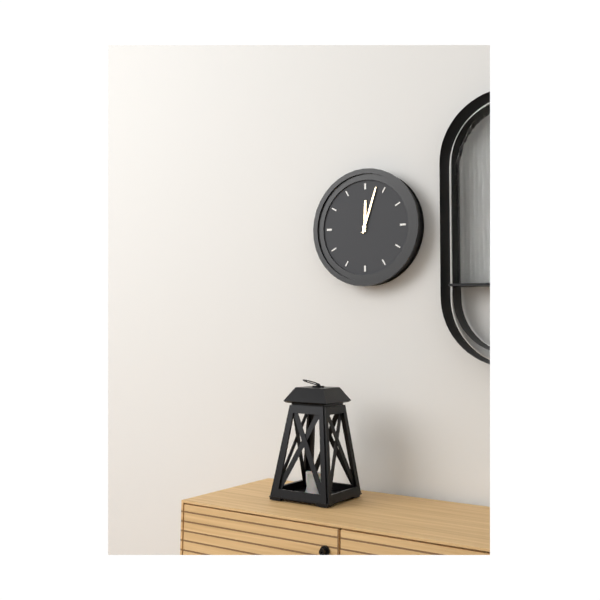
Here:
12 h 03 min
